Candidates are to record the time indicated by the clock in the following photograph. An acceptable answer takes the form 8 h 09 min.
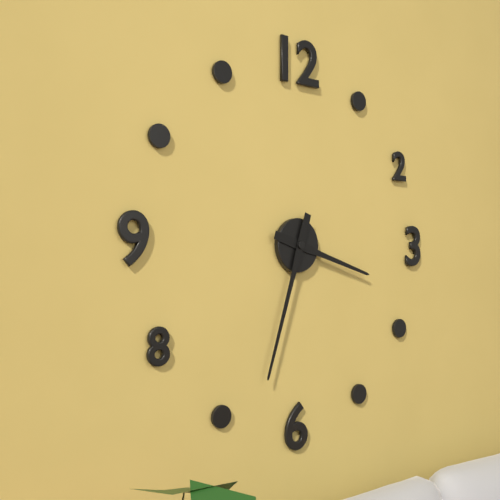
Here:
3 h 33 min
